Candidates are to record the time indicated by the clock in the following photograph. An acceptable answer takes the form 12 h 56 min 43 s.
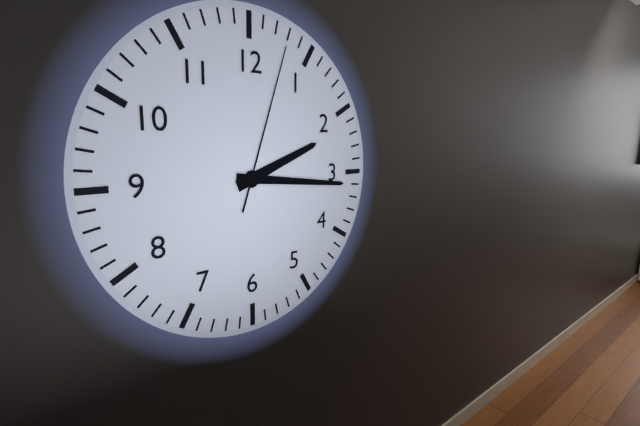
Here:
2 h 16 min 03 s
